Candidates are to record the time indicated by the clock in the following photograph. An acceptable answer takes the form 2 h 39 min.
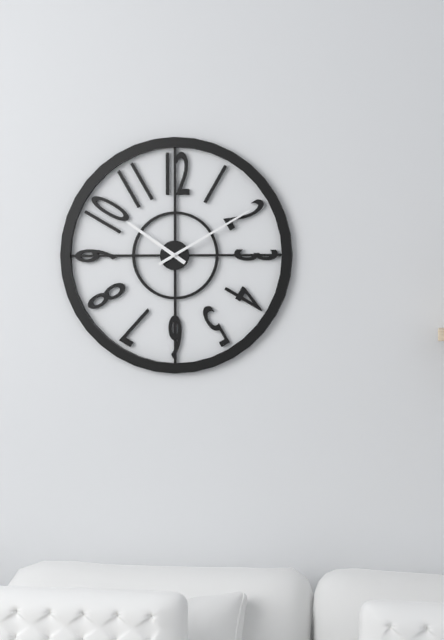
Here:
10 h 10 min
